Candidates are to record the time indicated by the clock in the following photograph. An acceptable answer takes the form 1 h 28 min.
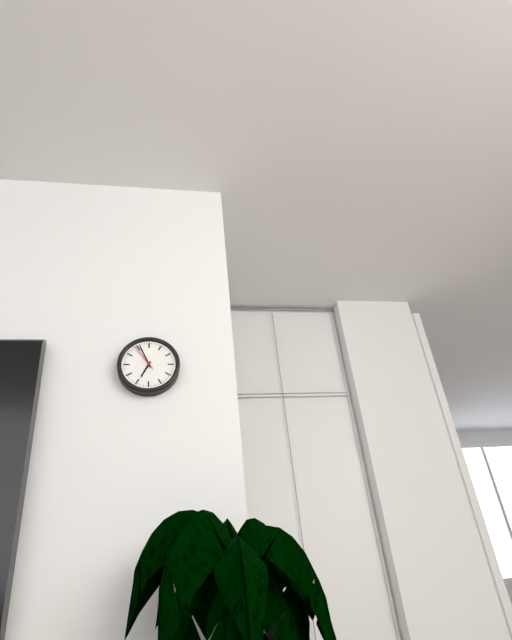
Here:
6 h 56 min
